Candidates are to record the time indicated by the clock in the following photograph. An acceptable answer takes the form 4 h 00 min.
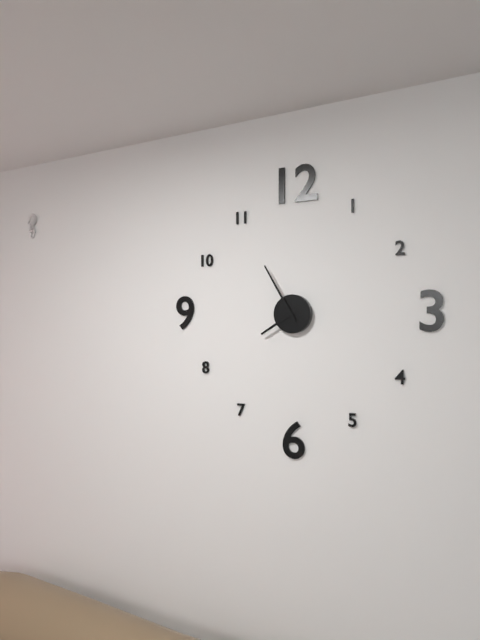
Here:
7 h 55 min
